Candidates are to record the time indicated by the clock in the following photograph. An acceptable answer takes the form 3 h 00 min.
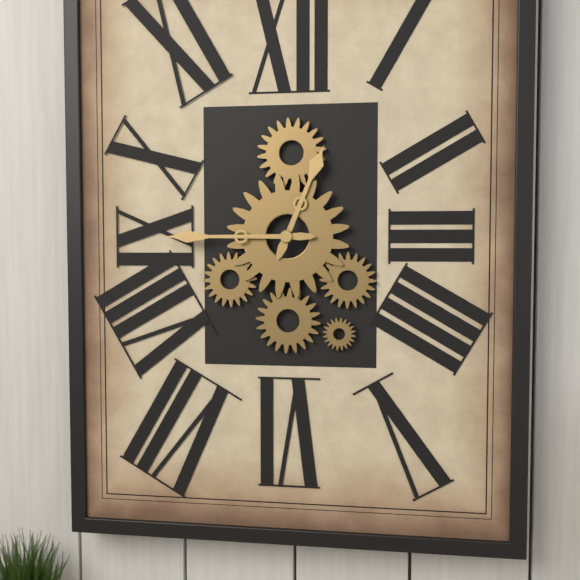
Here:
12 h 45 min
